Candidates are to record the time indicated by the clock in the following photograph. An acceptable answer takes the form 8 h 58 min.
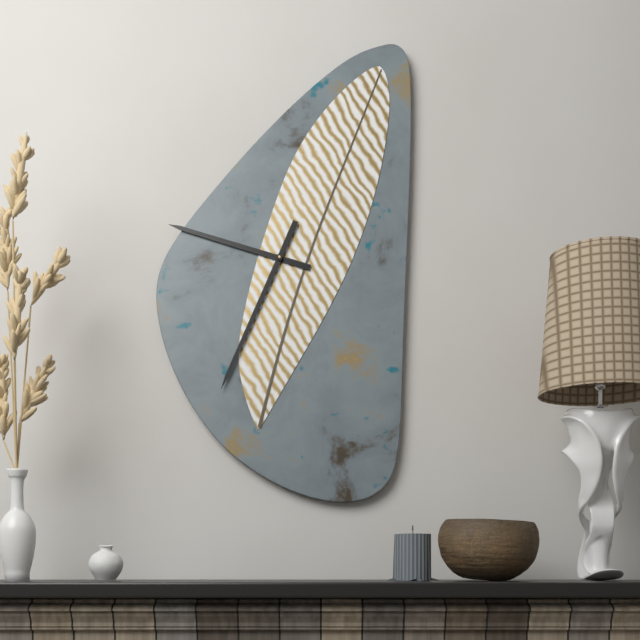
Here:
9 h 34 min
